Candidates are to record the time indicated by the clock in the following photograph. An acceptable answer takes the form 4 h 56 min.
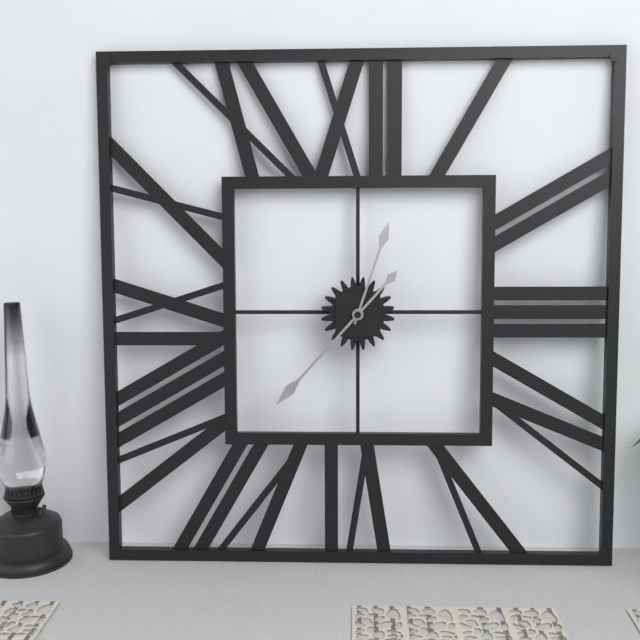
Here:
12 h 37 min
